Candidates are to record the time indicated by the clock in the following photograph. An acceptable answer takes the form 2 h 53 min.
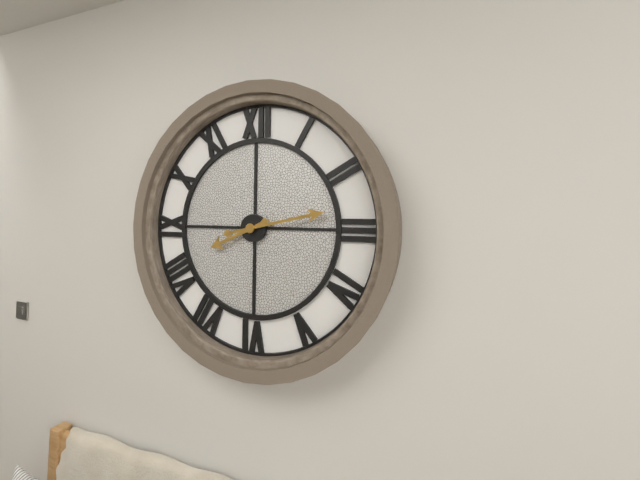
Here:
8 h 13 min
